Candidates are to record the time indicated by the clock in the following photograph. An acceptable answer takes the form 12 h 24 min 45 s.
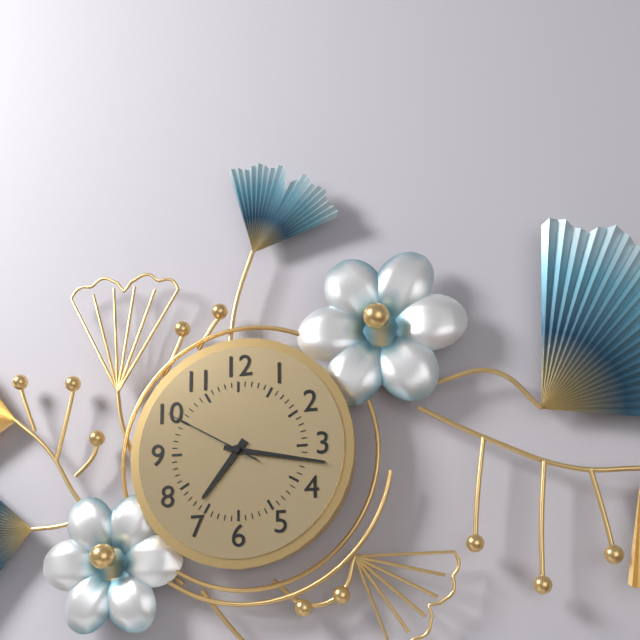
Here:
7 h 17 min 50 s
